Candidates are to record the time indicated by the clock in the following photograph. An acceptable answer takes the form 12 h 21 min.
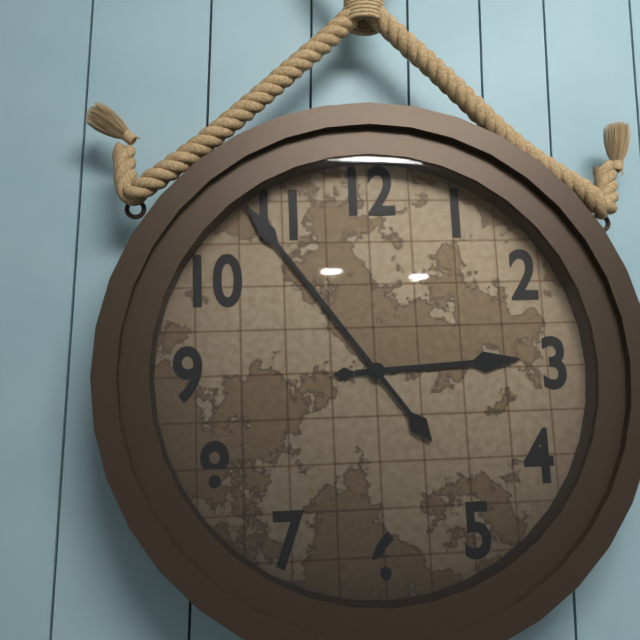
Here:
2 h 54 min
